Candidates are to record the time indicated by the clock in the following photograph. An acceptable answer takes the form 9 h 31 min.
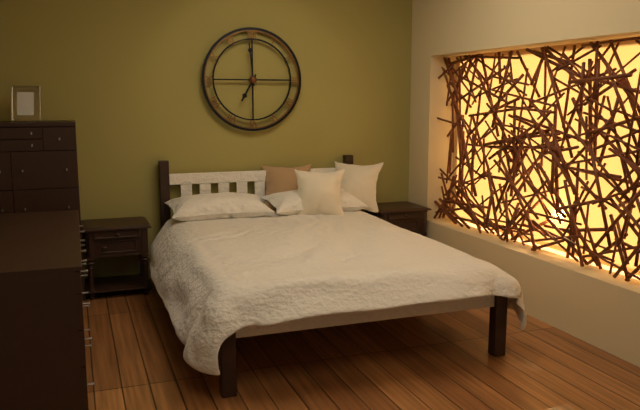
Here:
6 h 59 min
